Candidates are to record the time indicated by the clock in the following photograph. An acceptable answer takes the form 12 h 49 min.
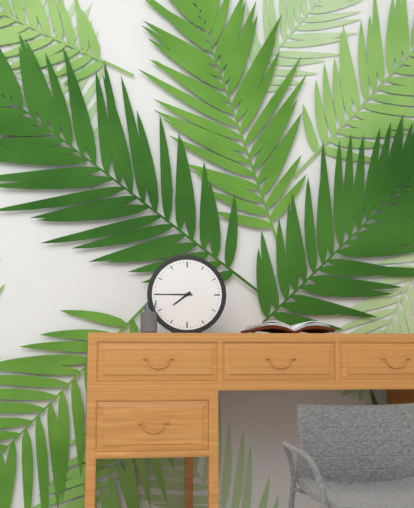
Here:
7 h 45 min
